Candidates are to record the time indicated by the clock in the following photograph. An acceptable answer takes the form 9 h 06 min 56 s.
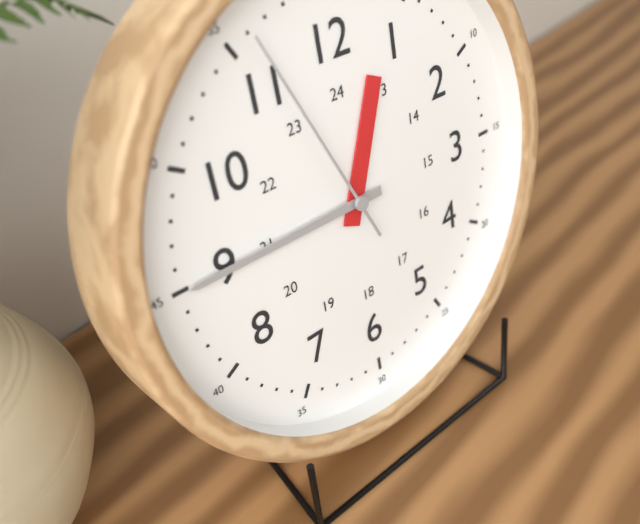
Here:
12 h 45 min 56 s
